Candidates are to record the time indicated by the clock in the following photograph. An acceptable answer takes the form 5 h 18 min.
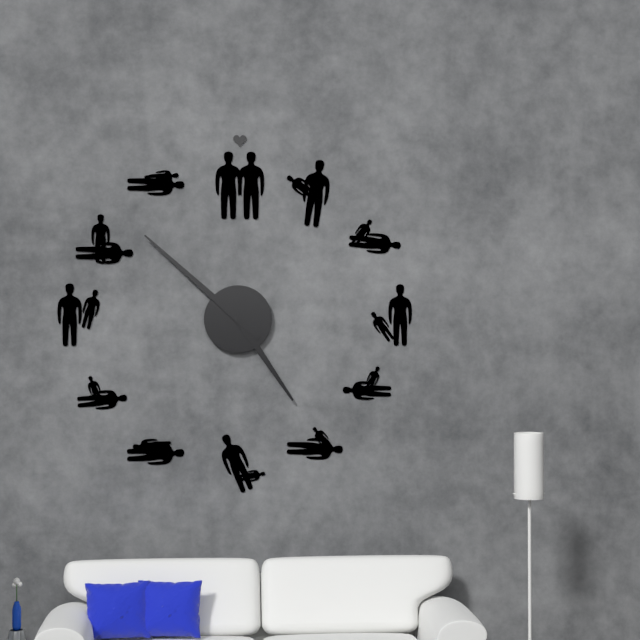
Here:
4 h 52 min
